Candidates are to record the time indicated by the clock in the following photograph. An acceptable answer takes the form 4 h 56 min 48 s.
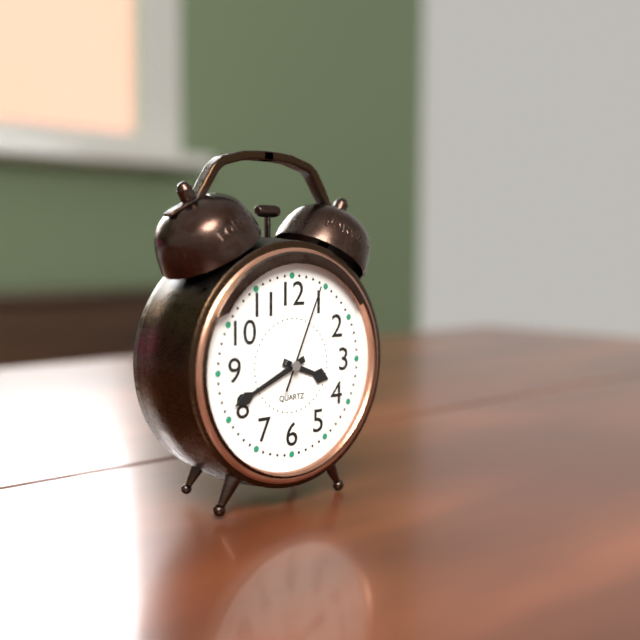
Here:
3 h 41 min 04 s
